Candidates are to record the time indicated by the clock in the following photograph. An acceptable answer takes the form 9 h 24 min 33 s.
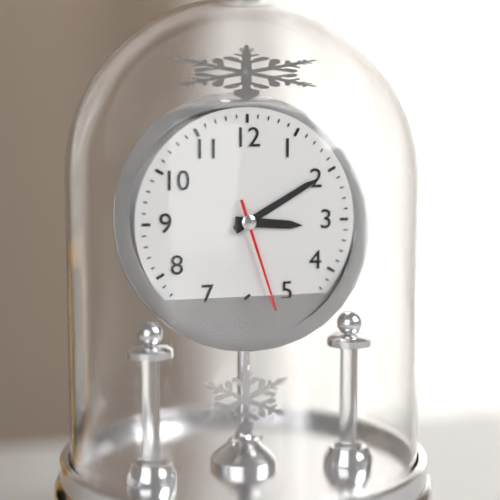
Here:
3 h 10 min 27 s
